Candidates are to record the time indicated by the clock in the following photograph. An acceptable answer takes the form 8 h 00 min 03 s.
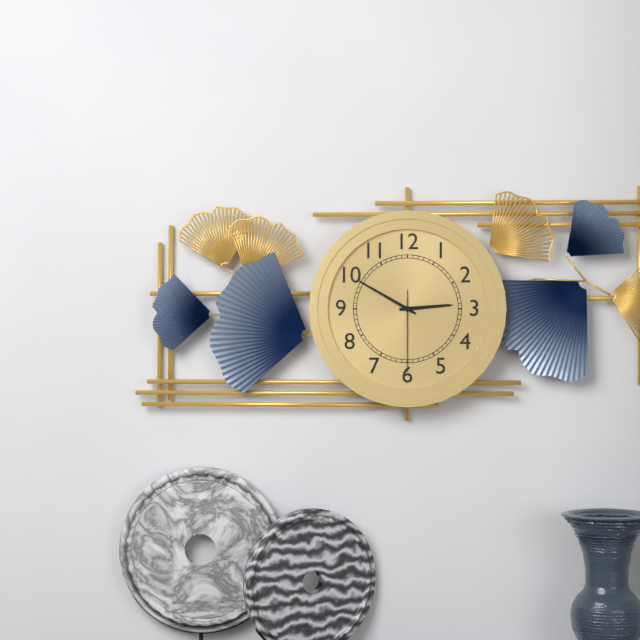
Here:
2 h 50 min 30 s
